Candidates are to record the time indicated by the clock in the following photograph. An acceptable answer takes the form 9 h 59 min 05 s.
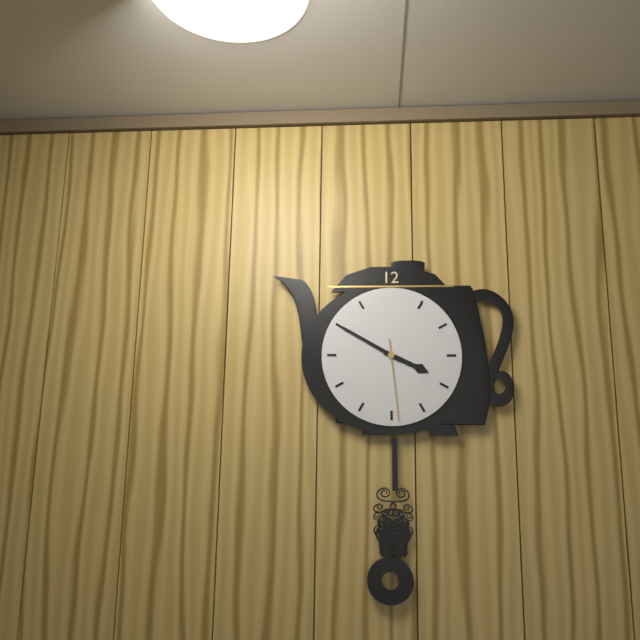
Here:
3 h 50 min 29 s
